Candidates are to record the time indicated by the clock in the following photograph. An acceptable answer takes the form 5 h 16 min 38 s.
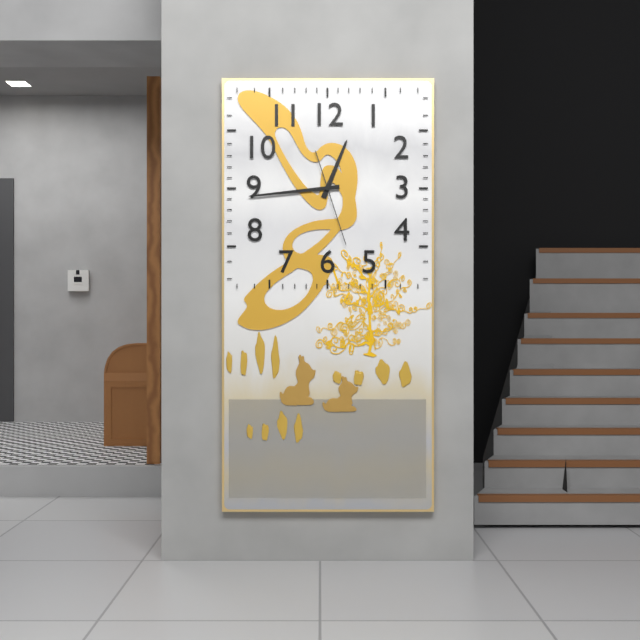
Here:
12 h 44 min 27 s
